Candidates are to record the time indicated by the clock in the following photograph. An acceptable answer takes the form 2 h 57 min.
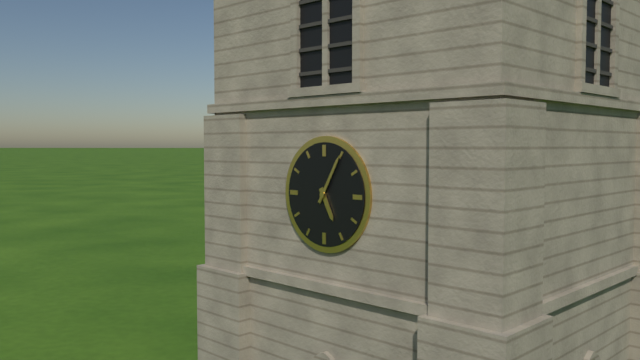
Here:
5 h 05 min
